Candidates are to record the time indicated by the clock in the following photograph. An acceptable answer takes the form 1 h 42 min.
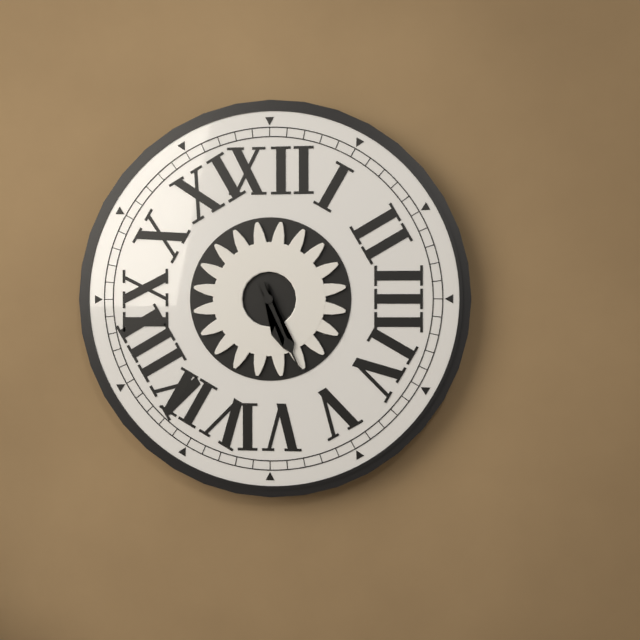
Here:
5 h 26 min
